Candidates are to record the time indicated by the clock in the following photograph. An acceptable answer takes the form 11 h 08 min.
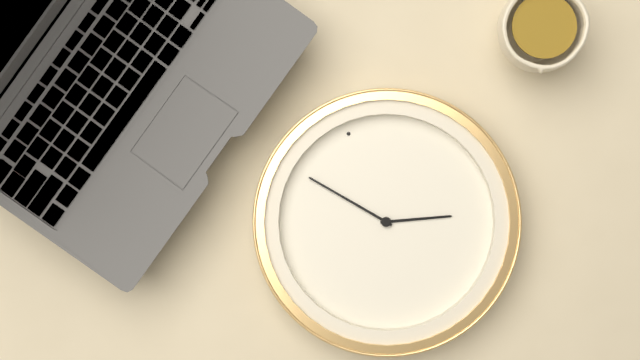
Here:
2 h 50 min
